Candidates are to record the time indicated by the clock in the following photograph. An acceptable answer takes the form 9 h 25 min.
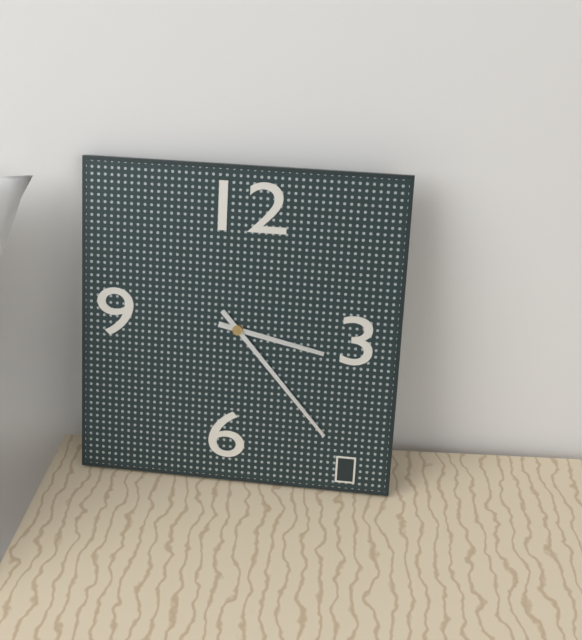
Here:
3 h 23 min
